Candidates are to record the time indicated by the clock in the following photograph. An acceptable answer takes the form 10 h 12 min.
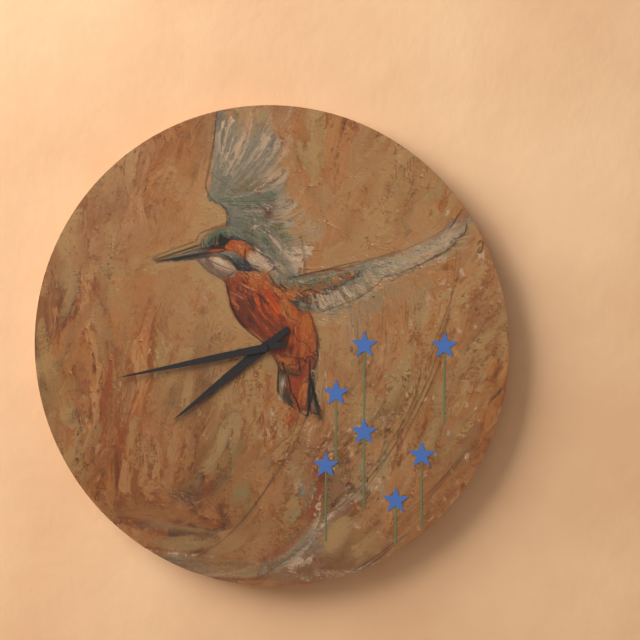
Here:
7 h 43 min
